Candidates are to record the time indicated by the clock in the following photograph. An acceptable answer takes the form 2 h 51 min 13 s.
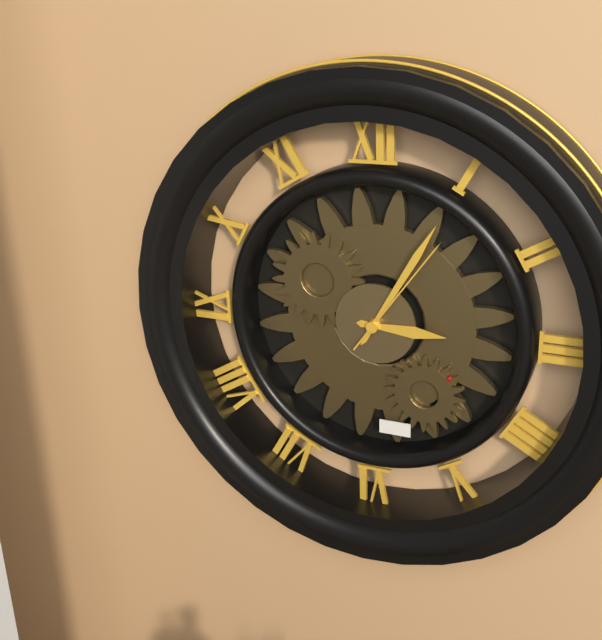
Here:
3 h 05 min 06 s
